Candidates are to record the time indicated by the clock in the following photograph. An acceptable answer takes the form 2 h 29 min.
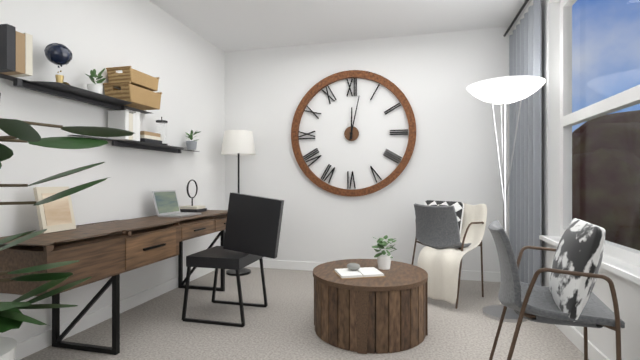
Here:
12 h 02 min
